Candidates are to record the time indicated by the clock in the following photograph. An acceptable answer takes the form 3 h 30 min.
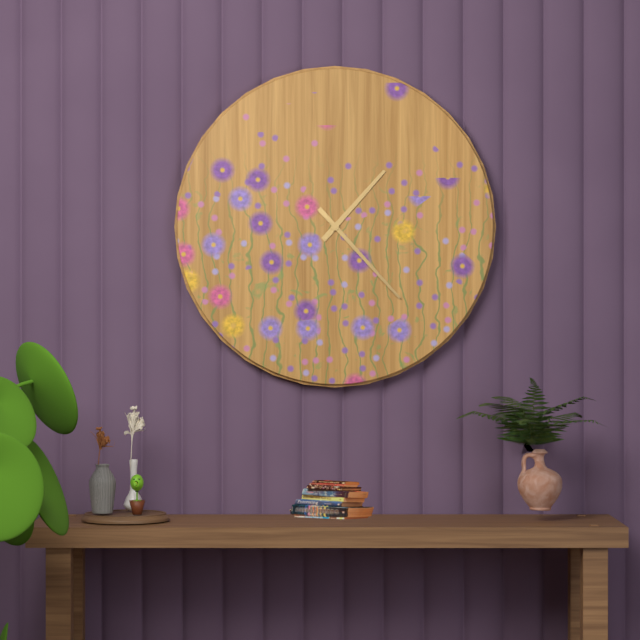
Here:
1 h 23 min
